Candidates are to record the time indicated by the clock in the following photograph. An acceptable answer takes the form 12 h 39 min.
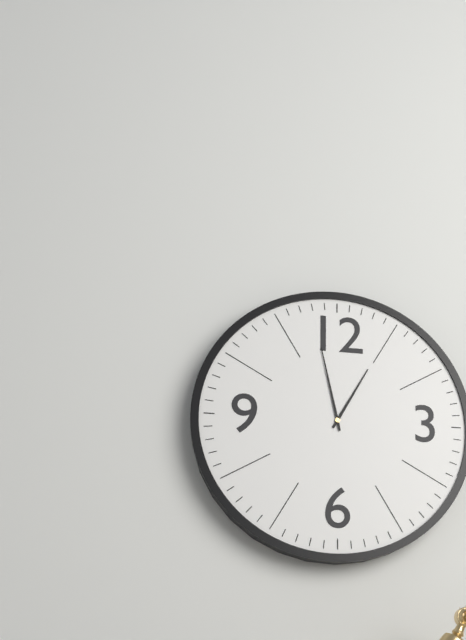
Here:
12 h 58 min
